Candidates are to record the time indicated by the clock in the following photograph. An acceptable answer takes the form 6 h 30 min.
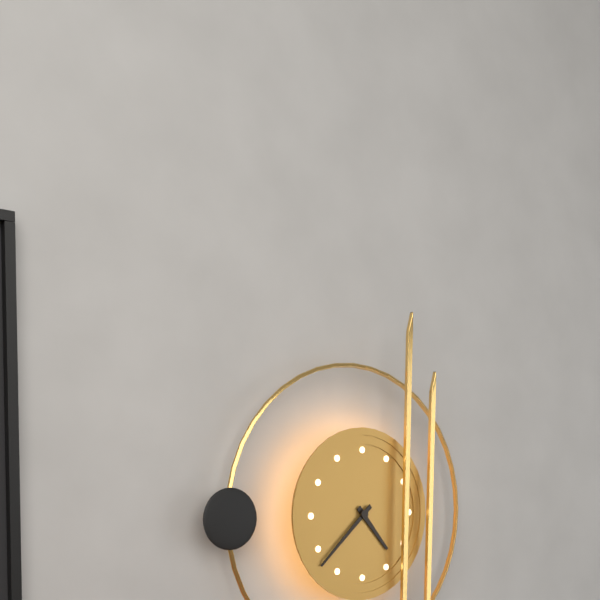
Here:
4 h 38 min
